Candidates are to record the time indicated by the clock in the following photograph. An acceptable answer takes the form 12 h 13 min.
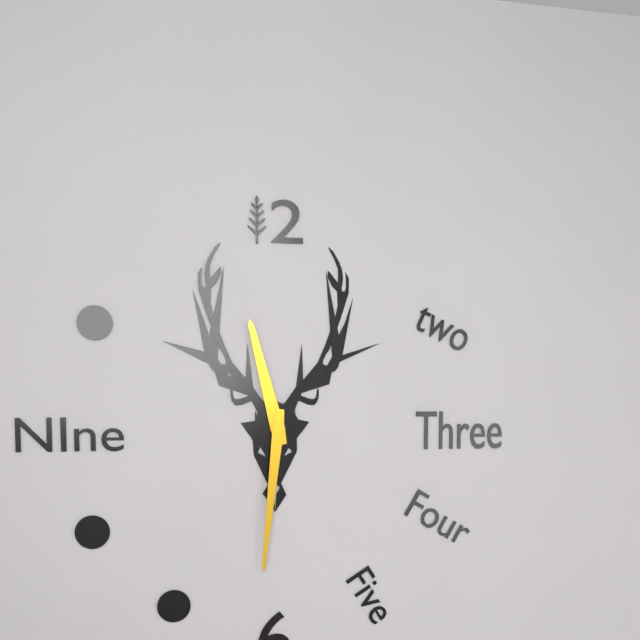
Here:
11 h 31 min
